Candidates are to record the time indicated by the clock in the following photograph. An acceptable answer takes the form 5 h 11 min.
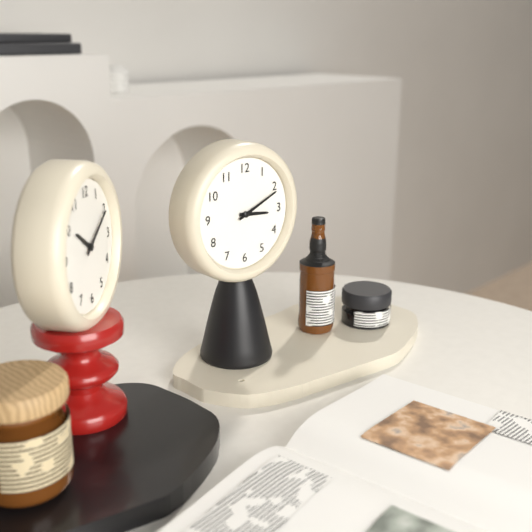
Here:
3 h 11 min
